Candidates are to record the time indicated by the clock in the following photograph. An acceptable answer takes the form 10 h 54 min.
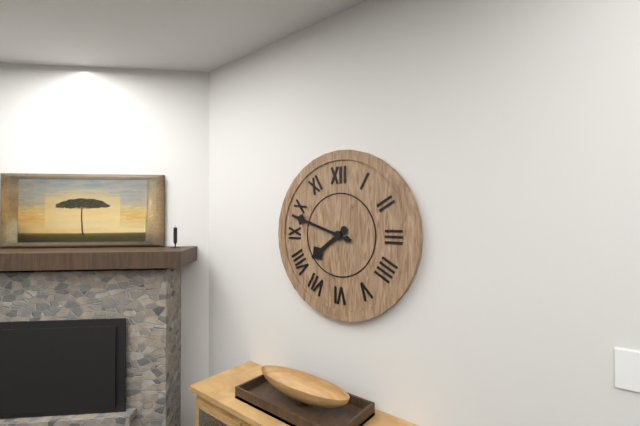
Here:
7 h 48 min
